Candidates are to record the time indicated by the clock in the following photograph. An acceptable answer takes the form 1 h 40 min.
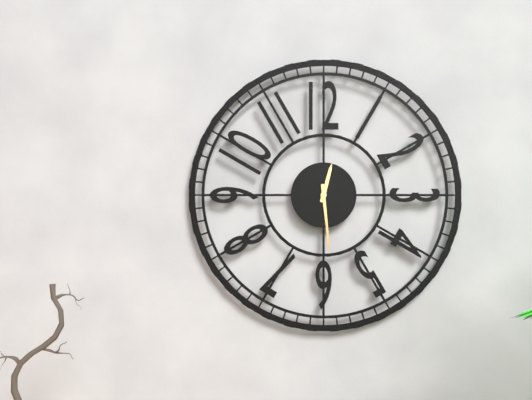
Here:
12 h 29 min
